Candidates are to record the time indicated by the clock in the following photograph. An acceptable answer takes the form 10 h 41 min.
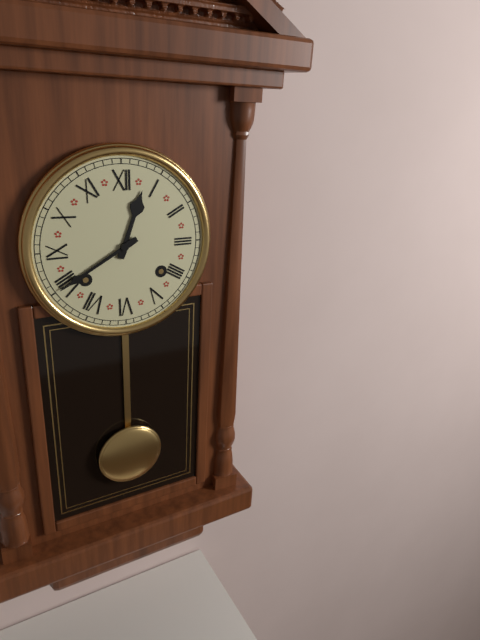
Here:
12 h 40 min
